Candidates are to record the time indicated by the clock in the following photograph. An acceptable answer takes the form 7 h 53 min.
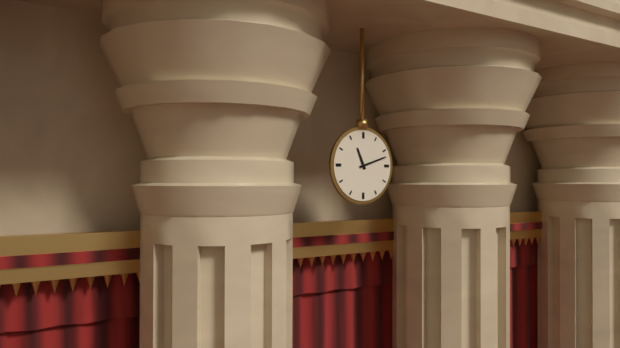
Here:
11 h 12 min
